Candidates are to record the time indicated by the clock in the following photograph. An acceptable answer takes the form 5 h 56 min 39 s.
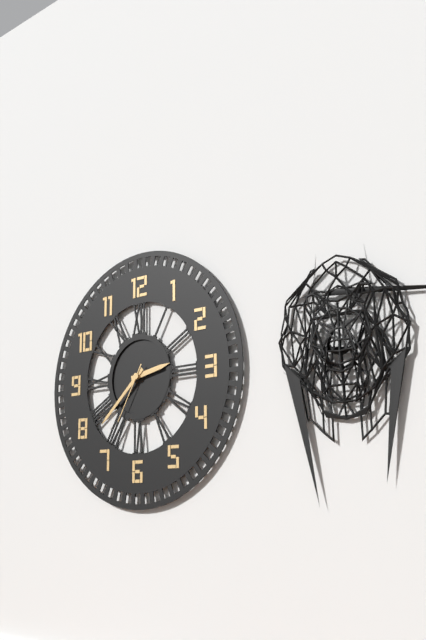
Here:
2 h 38 min 35 s
